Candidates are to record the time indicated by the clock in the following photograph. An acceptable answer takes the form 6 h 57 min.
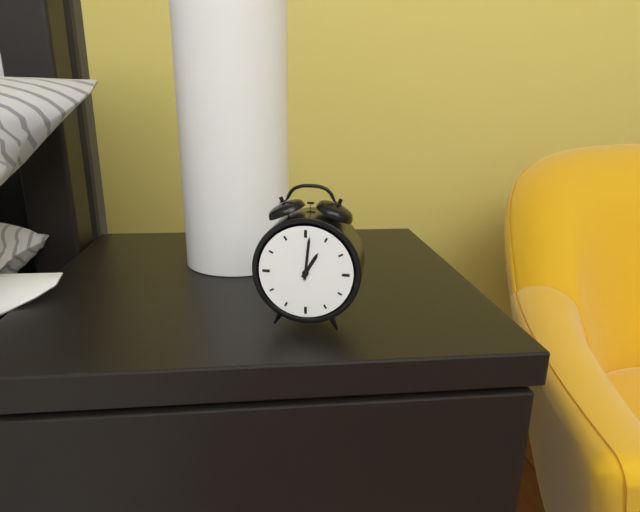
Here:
1 h 01 min
